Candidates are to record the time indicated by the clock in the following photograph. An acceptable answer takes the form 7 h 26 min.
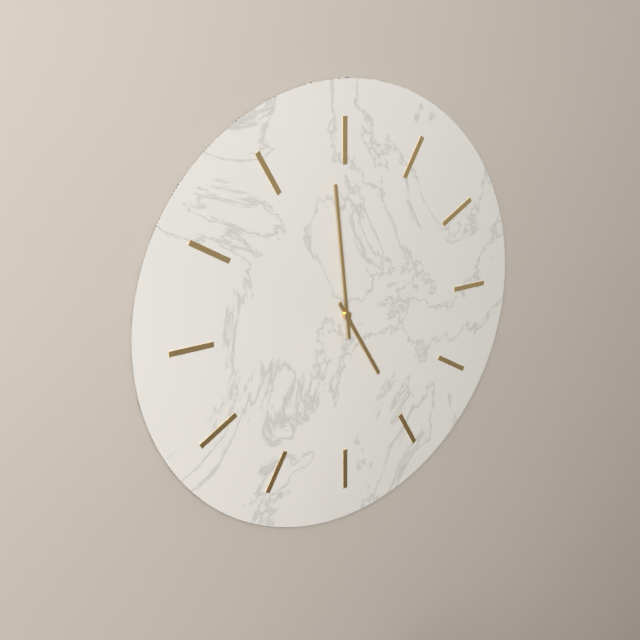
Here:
4 h 59 min
